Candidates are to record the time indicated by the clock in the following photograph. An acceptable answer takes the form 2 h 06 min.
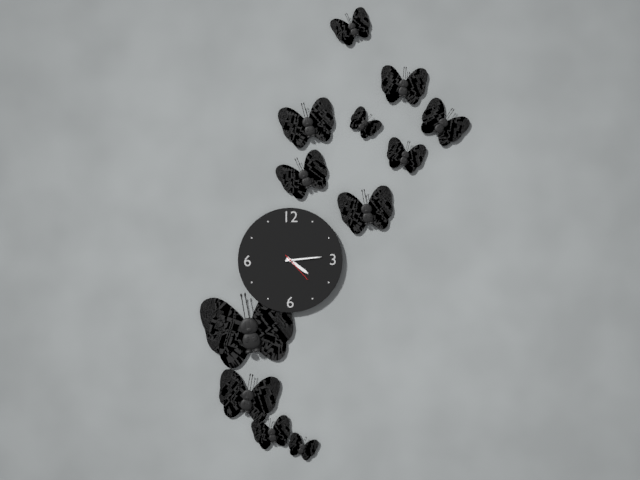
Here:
4 h 14 min
